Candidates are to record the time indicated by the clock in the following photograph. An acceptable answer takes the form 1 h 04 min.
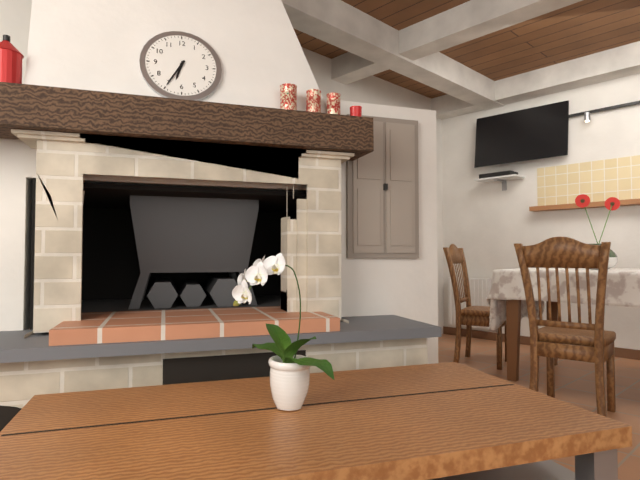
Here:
6 h 35 min
